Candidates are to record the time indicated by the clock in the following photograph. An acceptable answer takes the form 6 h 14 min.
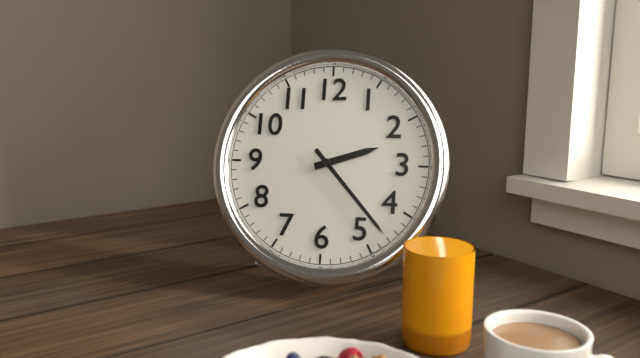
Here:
2 h 23 min
